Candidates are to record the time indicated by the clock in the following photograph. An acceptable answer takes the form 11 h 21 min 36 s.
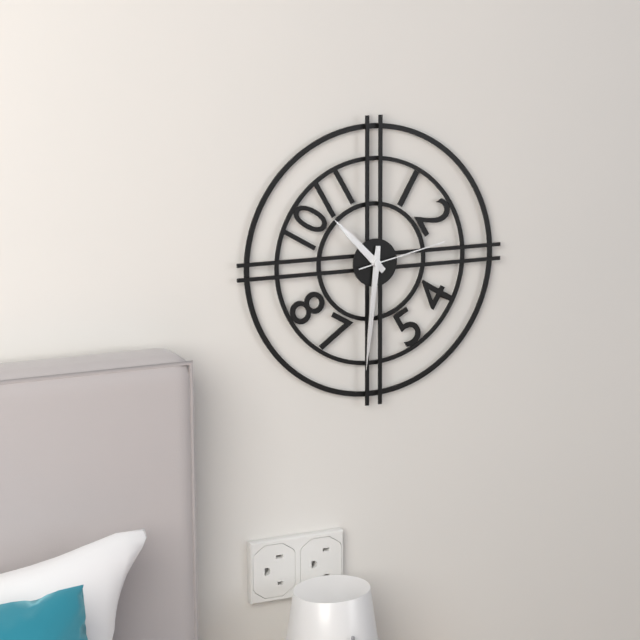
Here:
10 h 31 min 13 s
